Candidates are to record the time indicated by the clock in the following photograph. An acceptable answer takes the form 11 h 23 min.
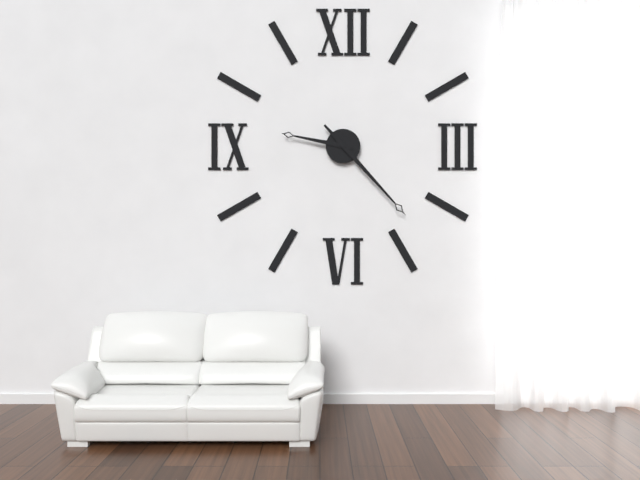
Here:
9 h 23 min
